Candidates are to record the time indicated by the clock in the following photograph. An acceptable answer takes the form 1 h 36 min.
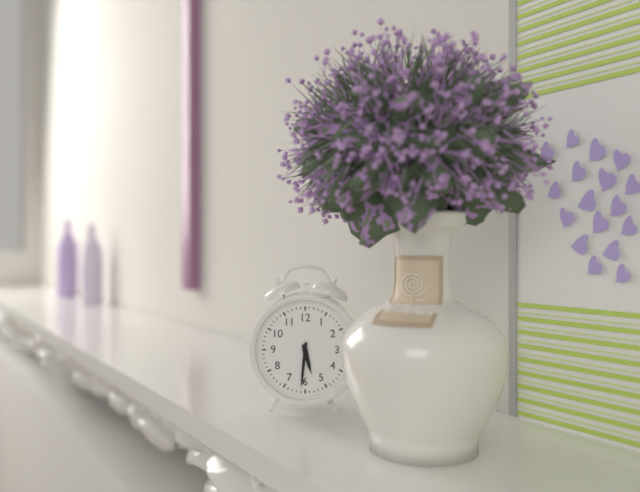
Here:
5 h 31 min
